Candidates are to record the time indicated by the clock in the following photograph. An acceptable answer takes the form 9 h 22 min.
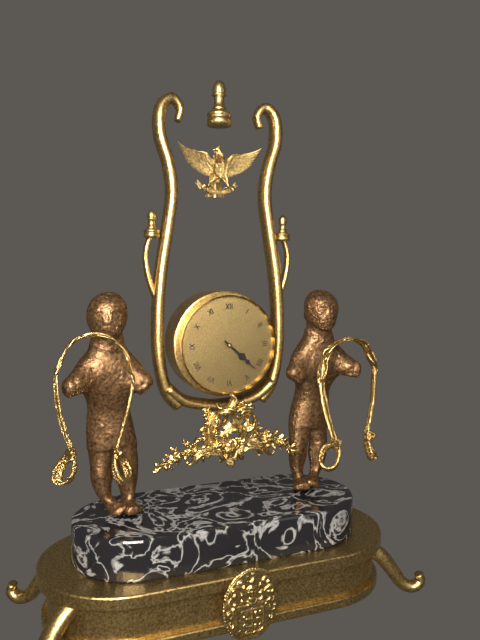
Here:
4 h 22 min
